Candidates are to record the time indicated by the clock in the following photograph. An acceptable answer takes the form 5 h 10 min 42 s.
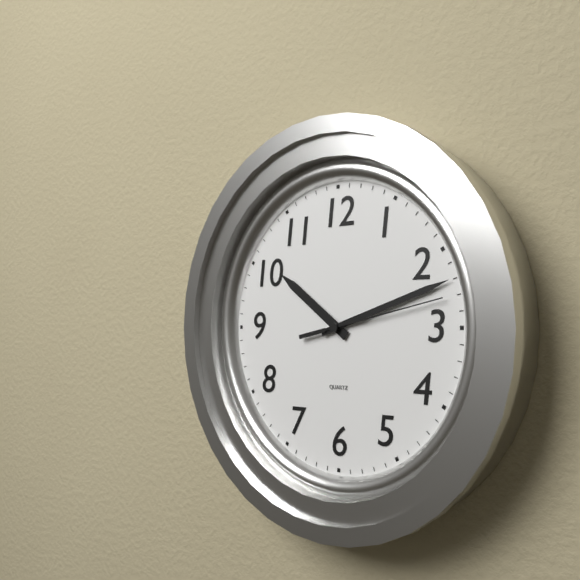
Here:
10 h 12 min 13 s
